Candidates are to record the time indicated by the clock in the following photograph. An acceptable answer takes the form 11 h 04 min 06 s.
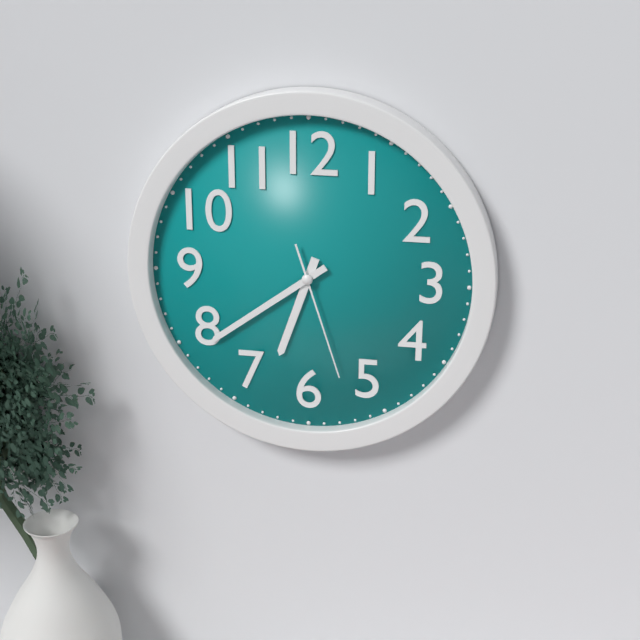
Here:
6 h 39 min 27 s
